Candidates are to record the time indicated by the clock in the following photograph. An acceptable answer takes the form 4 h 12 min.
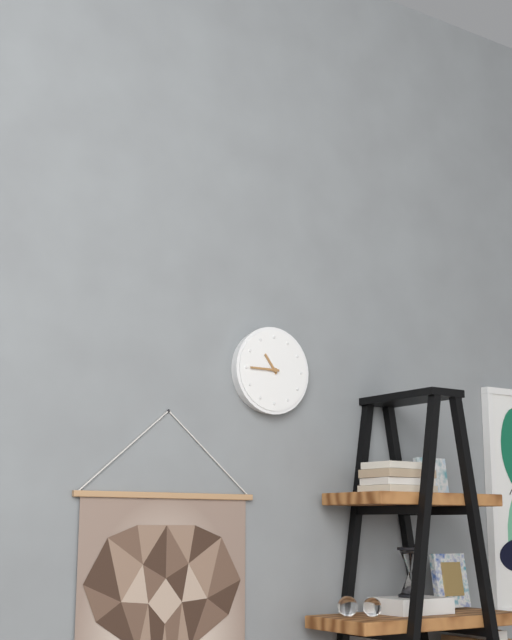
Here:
10 h 45 min
